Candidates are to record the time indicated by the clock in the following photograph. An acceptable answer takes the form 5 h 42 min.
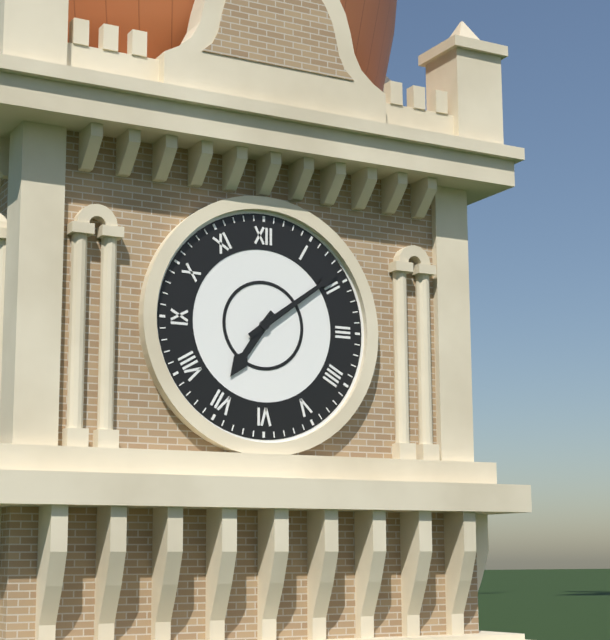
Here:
7 h 09 min
